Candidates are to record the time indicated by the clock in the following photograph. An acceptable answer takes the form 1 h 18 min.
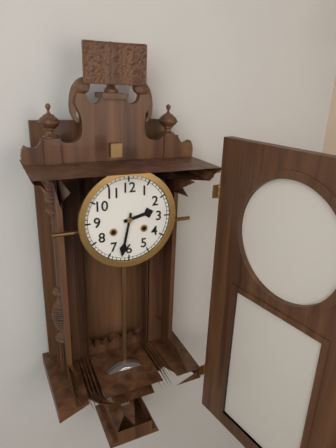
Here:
2 h 32 min
